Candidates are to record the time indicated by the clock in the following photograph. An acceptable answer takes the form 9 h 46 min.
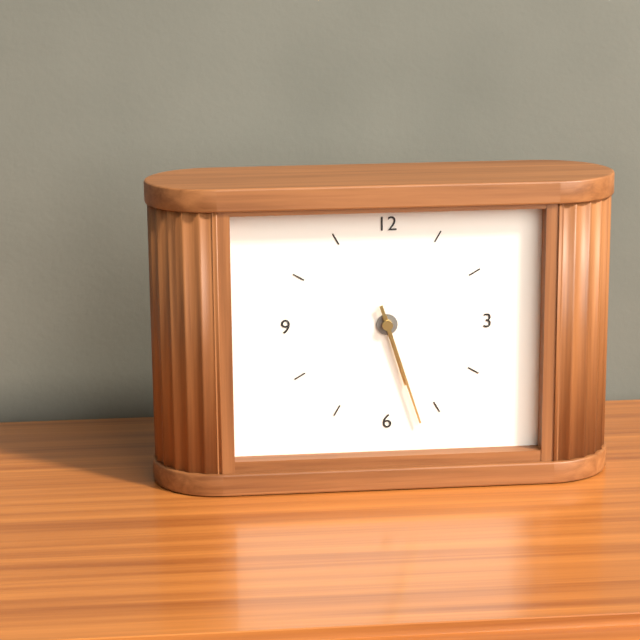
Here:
5 h 27 min
